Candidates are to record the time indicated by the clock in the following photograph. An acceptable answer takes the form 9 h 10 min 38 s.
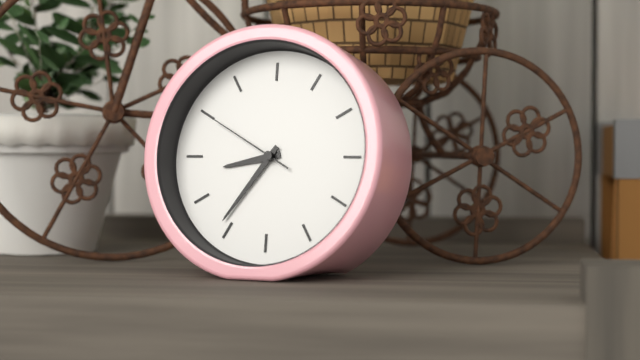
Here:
8 h 36 min 50 s
